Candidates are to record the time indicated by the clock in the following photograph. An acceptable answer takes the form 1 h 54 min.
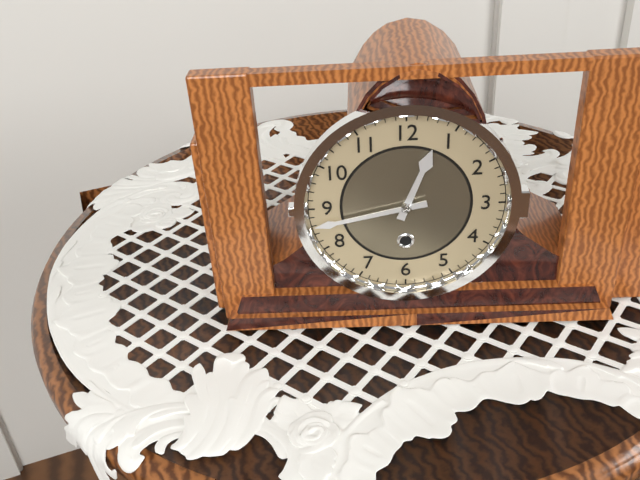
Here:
12 h 43 min
